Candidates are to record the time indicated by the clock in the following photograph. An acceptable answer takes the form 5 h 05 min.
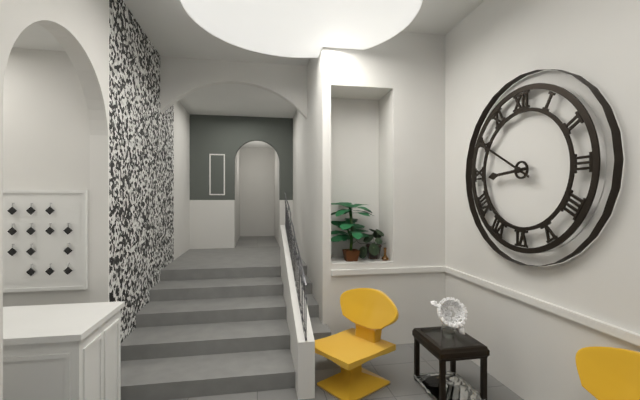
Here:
8 h 50 min
